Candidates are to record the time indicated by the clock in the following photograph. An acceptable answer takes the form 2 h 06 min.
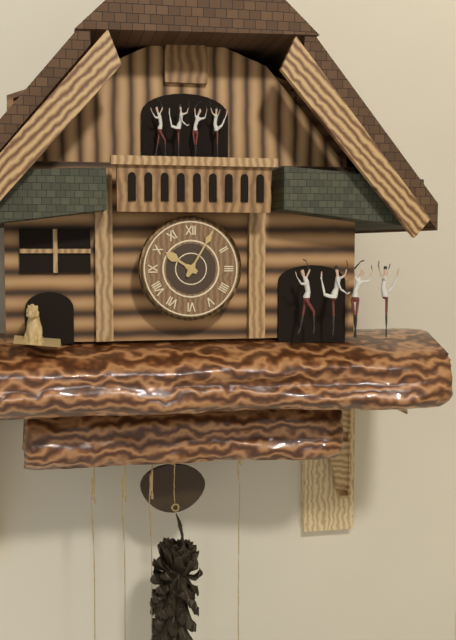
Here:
10 h 05 min
